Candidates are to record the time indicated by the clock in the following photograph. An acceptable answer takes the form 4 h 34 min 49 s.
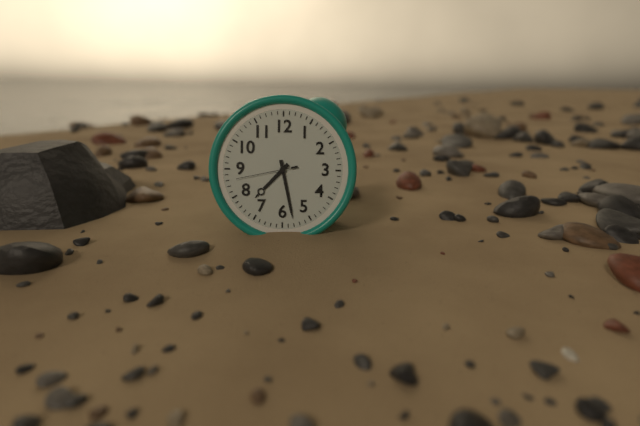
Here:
7 h 28 min 43 s
